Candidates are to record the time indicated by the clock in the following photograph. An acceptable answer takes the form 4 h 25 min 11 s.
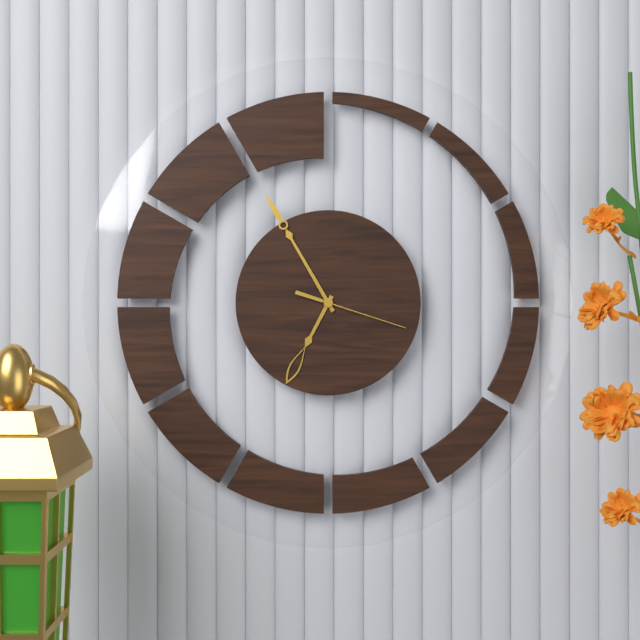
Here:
6 h 55 min 18 s
